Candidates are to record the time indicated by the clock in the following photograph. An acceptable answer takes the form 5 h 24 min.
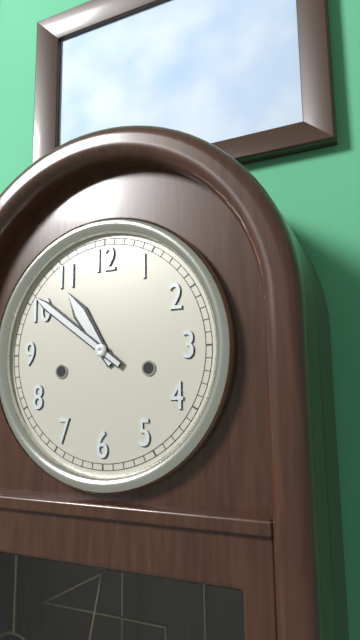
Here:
10 h 51 min
